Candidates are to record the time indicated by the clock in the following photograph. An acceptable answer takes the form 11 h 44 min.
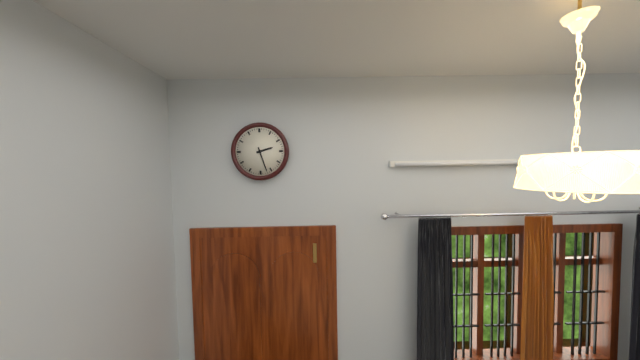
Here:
2 h 27 min
